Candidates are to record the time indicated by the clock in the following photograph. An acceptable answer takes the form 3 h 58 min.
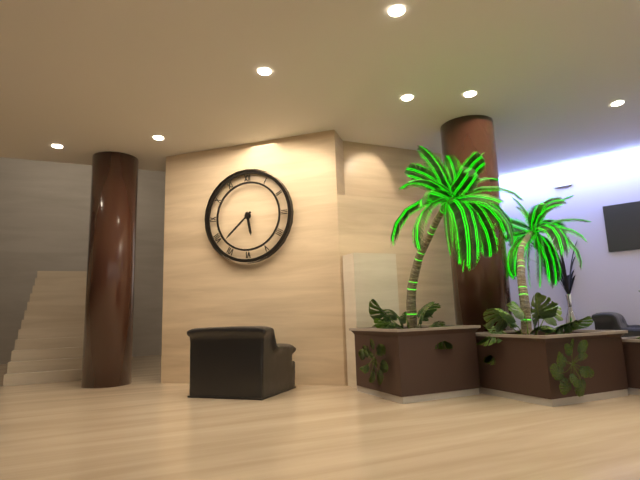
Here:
5 h 38 min
